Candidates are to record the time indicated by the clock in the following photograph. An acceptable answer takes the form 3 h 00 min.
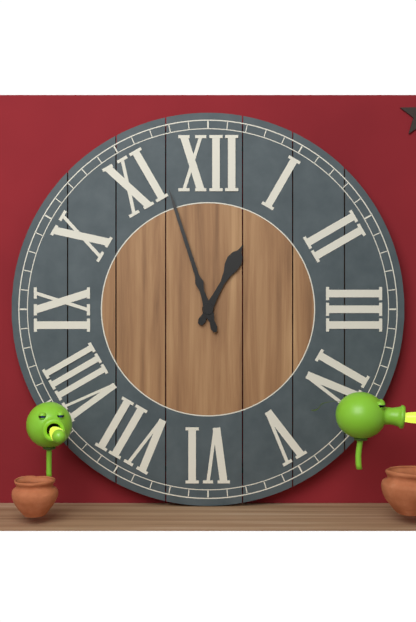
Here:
12 h 57 min
